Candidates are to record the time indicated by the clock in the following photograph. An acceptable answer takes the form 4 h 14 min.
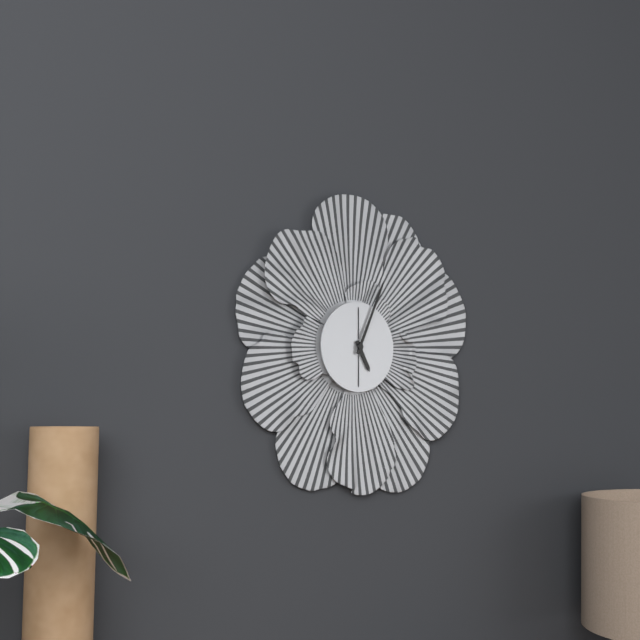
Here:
5 h 04 min
